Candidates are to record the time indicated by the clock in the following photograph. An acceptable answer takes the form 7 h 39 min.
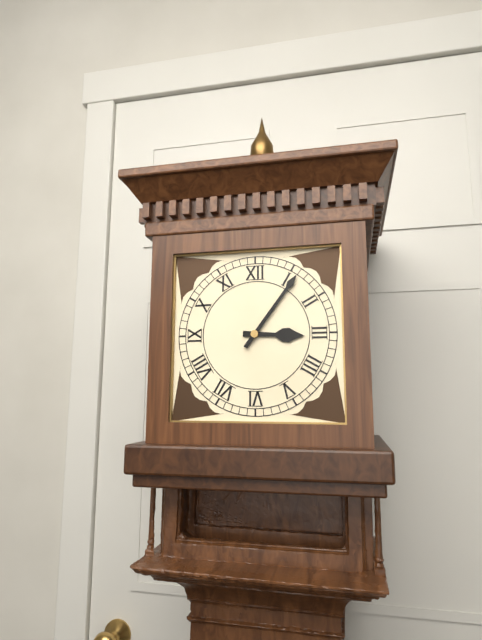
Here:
3 h 06 min
